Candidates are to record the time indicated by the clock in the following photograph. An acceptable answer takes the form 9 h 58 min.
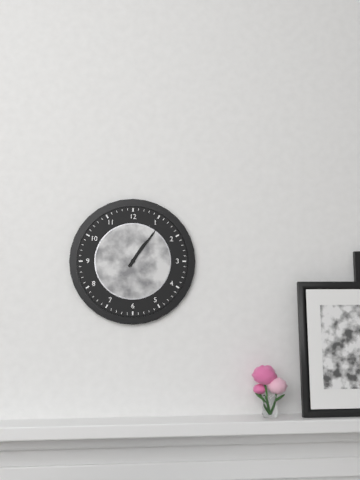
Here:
1 h 06 min
